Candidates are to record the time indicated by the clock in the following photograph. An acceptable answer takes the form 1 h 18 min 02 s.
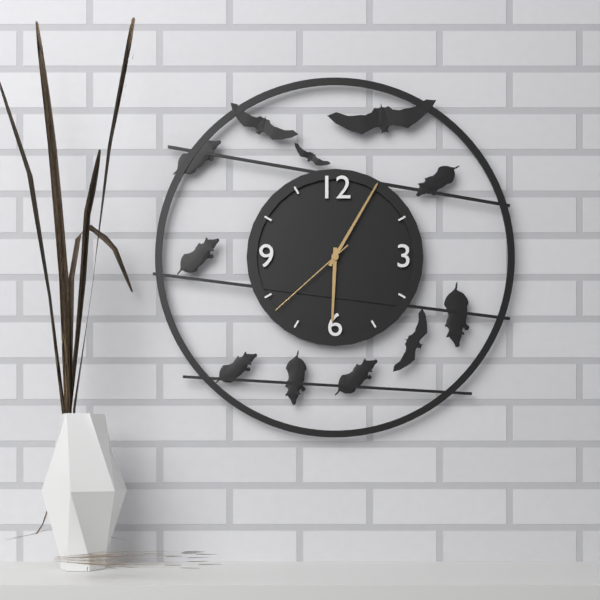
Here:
6 h 05 min 38 s
